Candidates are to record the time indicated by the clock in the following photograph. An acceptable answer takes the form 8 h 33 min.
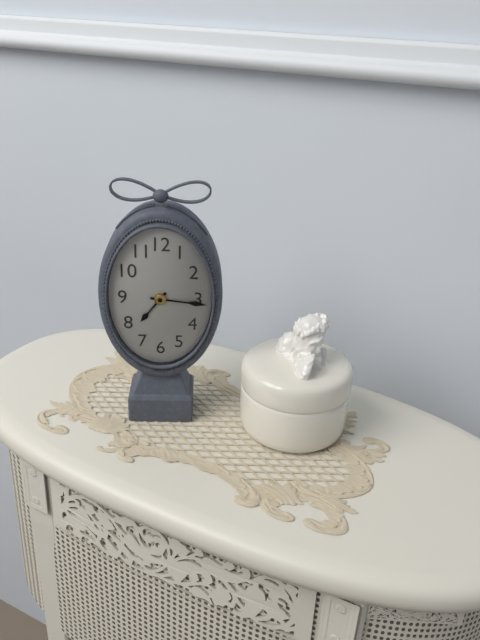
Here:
7 h 16 min
